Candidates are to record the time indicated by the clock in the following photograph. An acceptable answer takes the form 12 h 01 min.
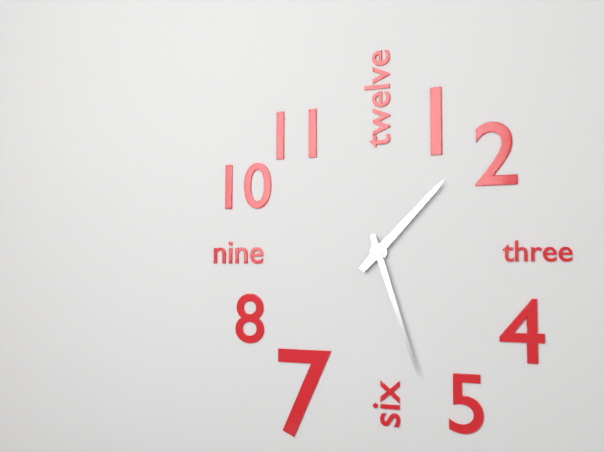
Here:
1 h 27 min
